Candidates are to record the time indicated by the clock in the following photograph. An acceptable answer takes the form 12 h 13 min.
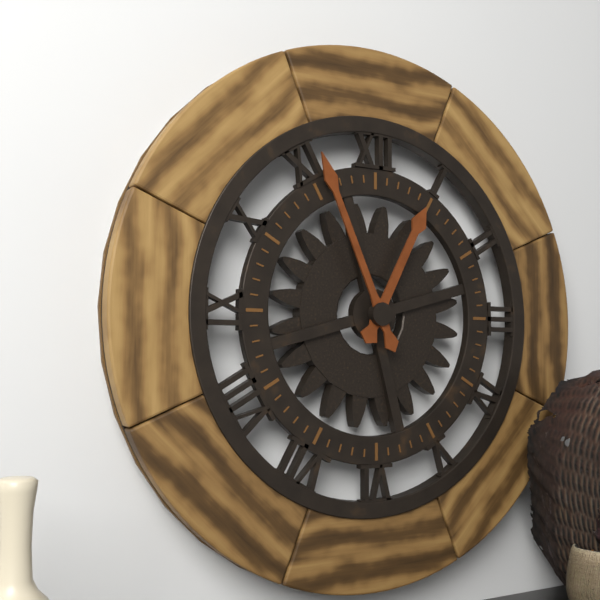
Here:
12 h 56 min
